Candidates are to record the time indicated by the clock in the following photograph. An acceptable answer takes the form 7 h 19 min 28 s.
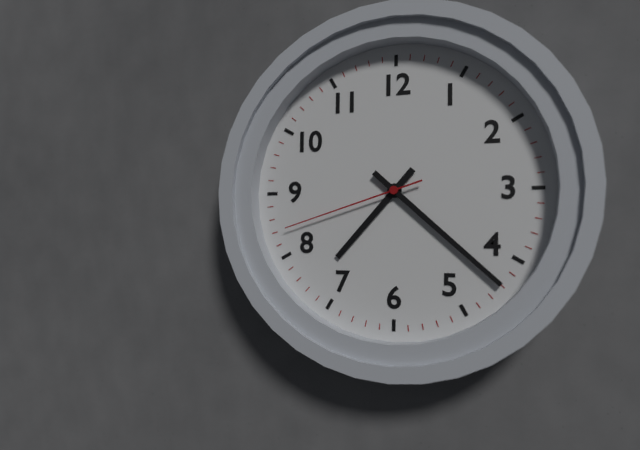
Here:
7 h 22 min 42 s
